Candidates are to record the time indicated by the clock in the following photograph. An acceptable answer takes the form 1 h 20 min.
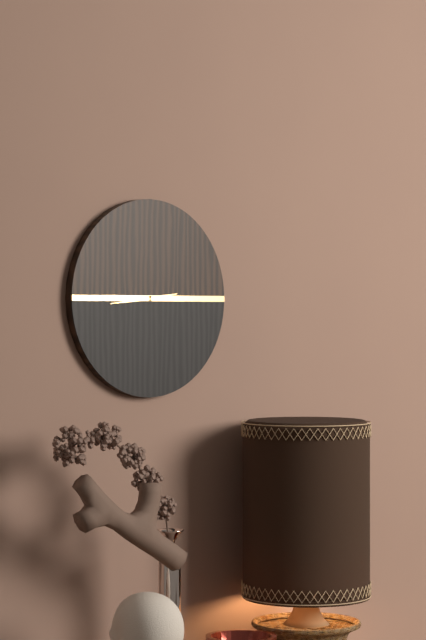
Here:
2 h 44 min
